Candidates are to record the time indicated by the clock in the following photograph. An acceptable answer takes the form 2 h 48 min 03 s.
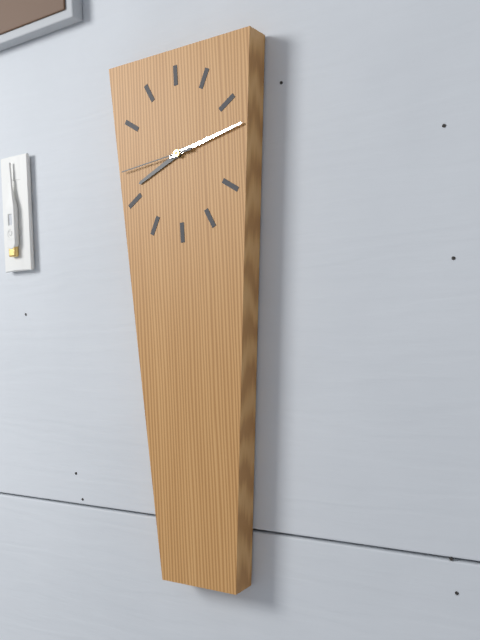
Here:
8 h 13 min 44 s
